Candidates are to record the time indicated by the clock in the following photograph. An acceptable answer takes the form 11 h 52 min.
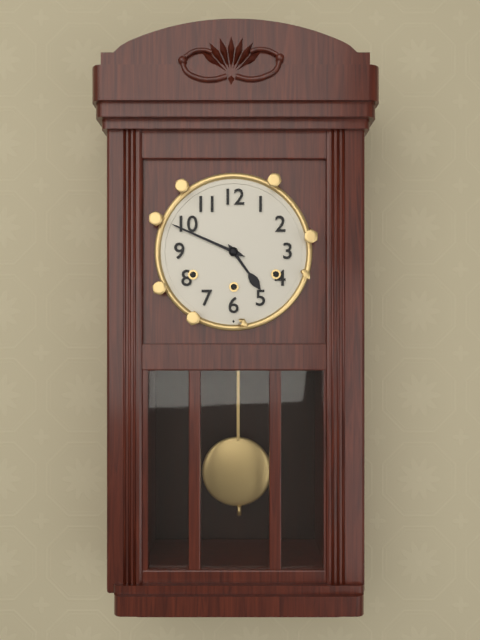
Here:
4 h 49 min
